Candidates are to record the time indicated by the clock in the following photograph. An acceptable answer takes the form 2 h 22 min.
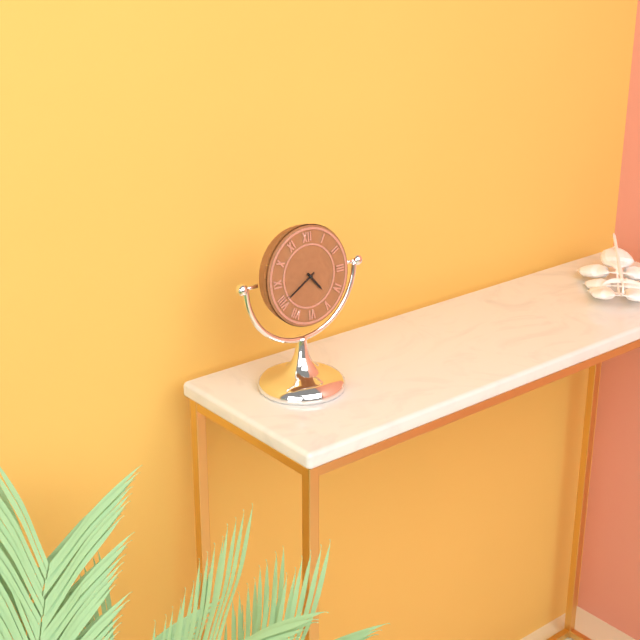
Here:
4 h 40 min
